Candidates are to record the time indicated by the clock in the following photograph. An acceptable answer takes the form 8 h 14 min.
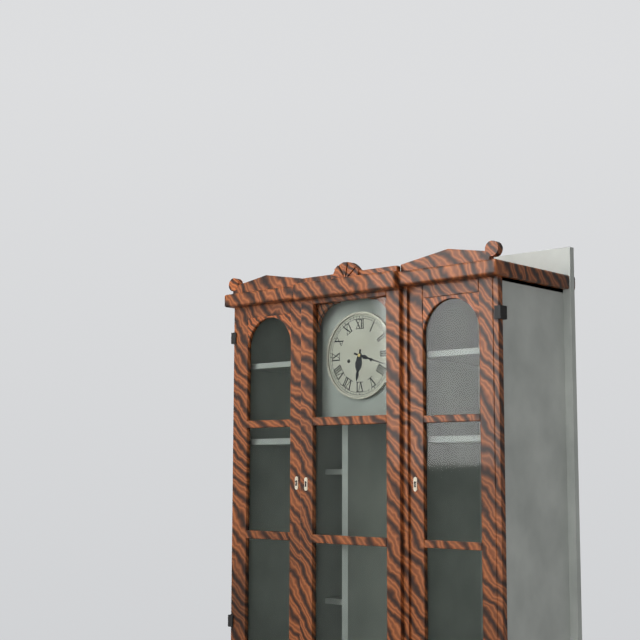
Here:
6 h 18 min
